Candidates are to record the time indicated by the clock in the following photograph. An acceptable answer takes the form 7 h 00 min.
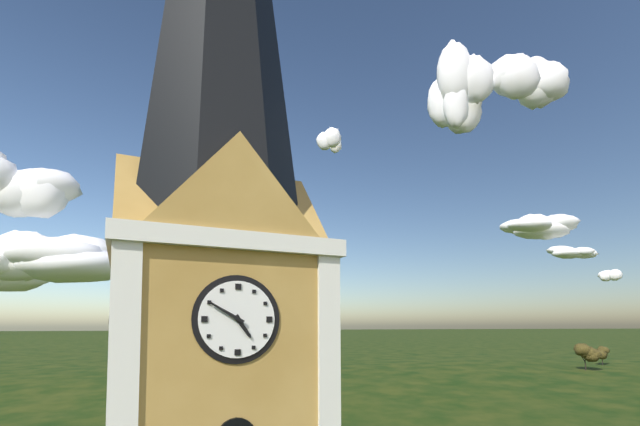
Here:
4 h 50 min
